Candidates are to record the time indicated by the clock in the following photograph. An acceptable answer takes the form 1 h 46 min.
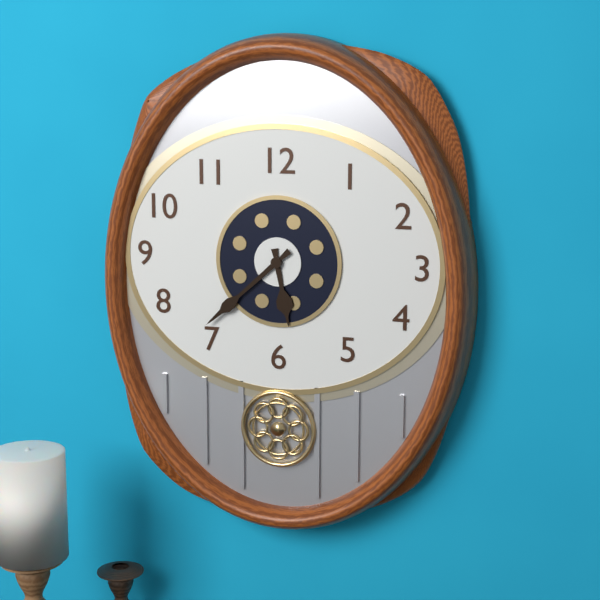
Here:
5 h 38 min
